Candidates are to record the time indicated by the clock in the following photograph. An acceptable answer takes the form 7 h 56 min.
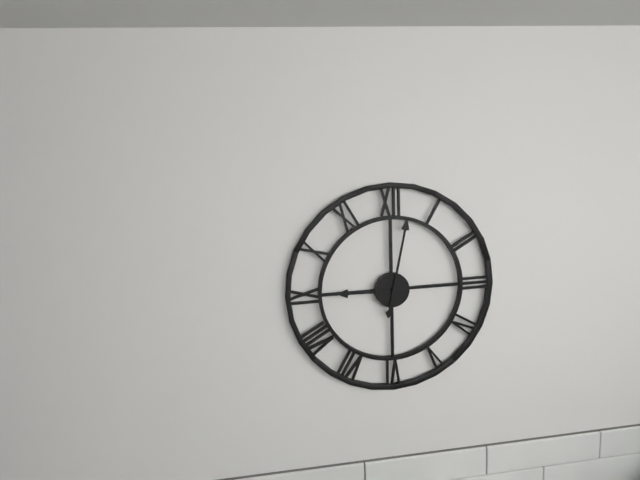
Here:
9 h 02 min
